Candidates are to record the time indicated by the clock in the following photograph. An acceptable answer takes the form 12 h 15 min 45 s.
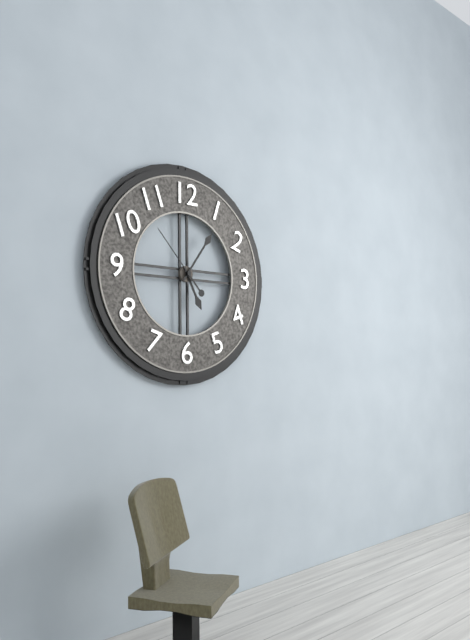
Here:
5 h 06 min 53 s
